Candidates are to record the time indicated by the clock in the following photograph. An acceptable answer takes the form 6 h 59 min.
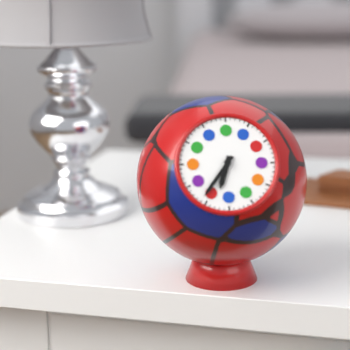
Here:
6 h 36 min
